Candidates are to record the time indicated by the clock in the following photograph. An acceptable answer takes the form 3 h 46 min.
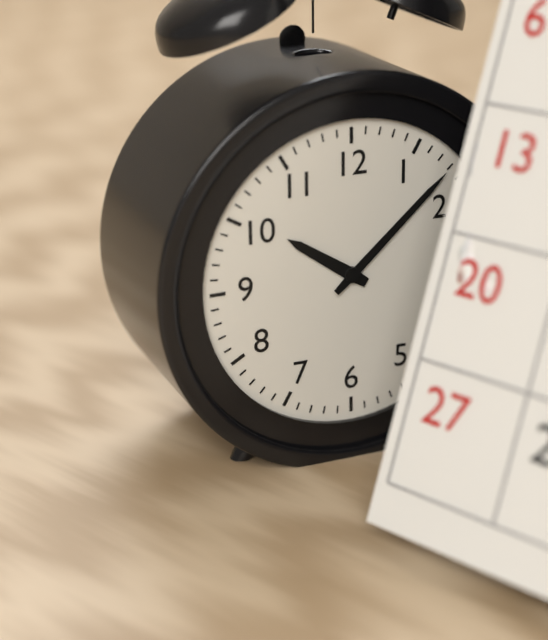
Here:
10 h 08 min
